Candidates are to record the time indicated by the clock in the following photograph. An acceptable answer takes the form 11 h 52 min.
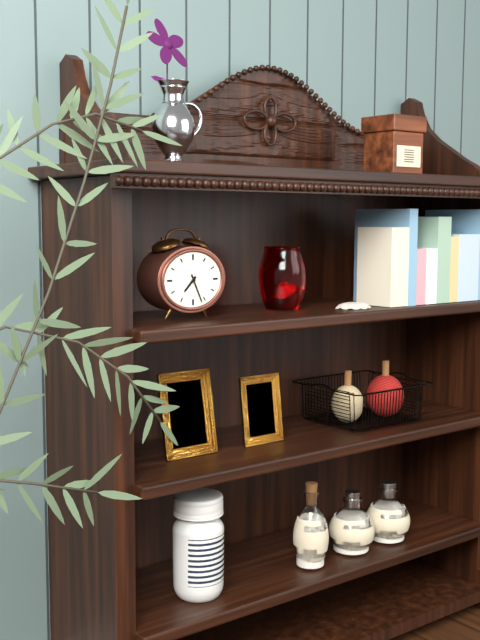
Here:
7 h 26 min
